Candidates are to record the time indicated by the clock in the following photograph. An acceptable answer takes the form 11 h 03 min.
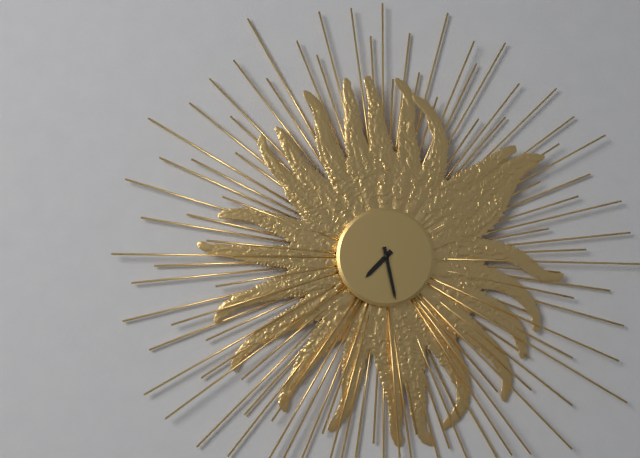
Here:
7 h 28 min
